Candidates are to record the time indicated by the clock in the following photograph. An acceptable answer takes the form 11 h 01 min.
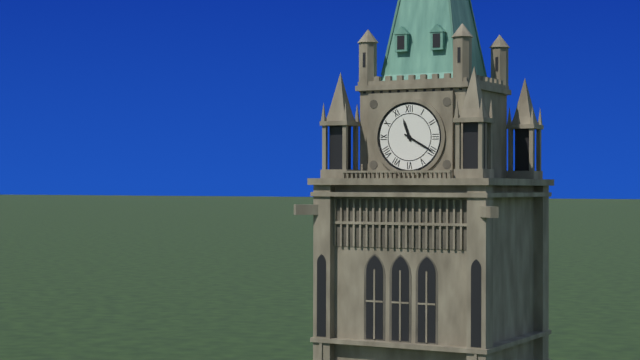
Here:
11 h 20 min
